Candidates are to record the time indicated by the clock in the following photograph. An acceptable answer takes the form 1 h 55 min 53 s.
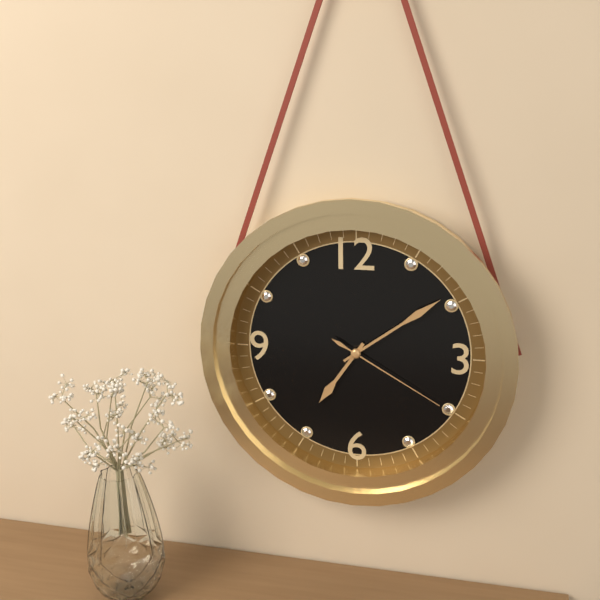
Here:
7 h 09 min 20 s
